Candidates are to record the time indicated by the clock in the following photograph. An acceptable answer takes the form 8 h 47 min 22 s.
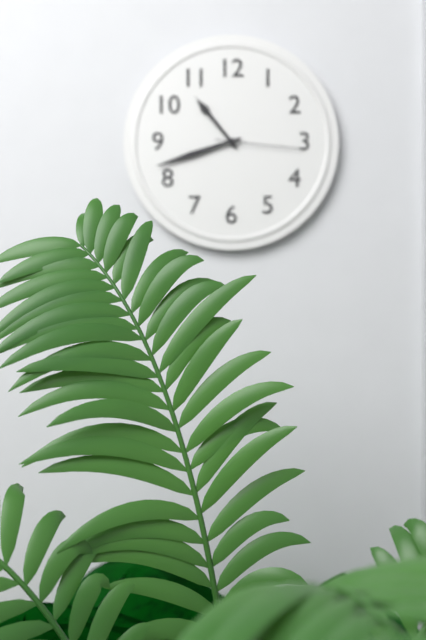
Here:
10 h 42 min 16 s
